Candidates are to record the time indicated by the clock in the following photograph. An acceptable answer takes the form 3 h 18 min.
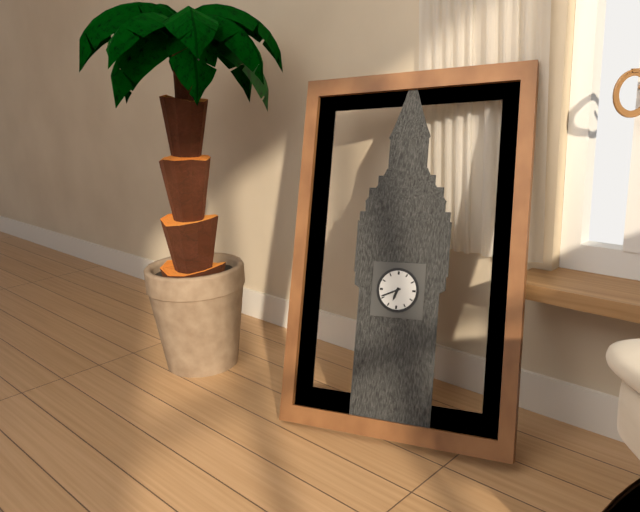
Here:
6 h 41 min
